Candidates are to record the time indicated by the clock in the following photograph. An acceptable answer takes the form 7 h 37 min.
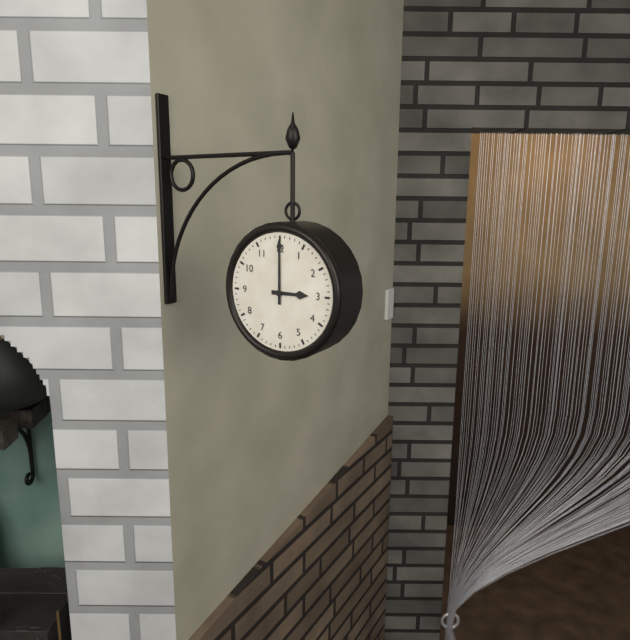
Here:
3 h 00 min
